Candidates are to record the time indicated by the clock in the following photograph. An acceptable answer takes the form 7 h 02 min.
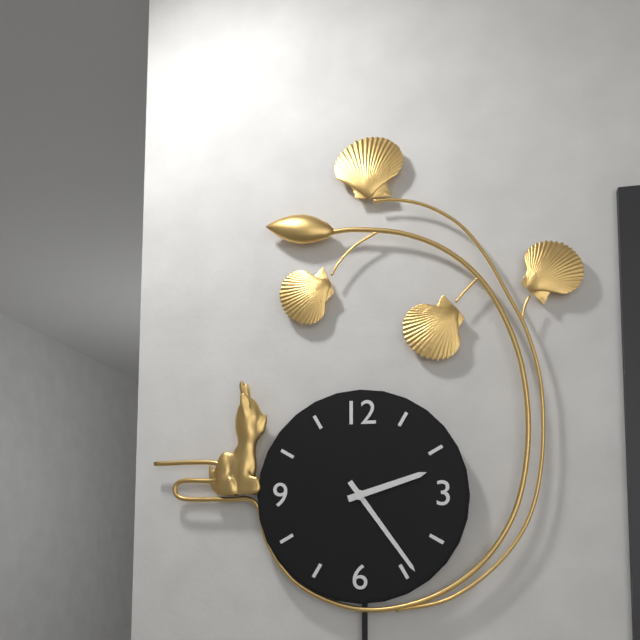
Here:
2 h 24 min
